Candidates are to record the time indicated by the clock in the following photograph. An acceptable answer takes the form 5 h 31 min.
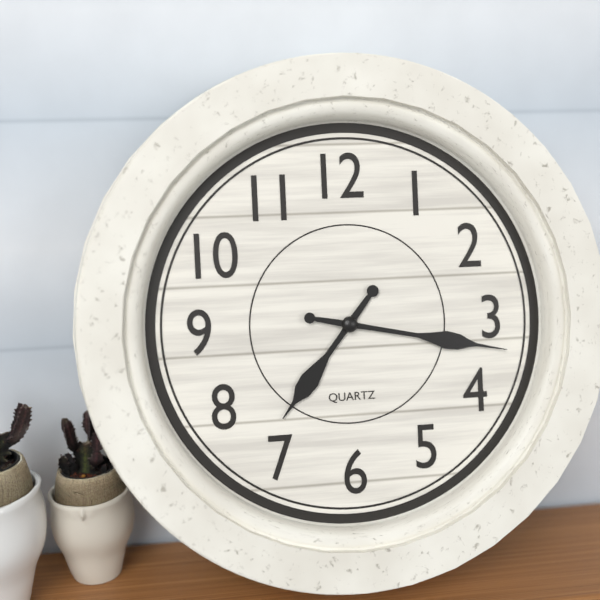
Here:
7 h 17 min
